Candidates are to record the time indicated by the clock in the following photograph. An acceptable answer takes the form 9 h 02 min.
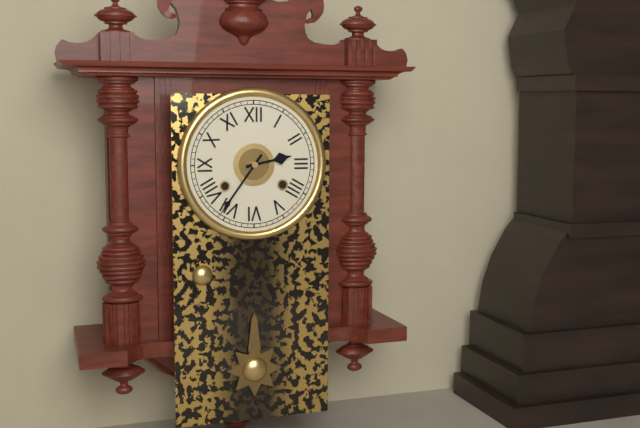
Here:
2 h 36 min
